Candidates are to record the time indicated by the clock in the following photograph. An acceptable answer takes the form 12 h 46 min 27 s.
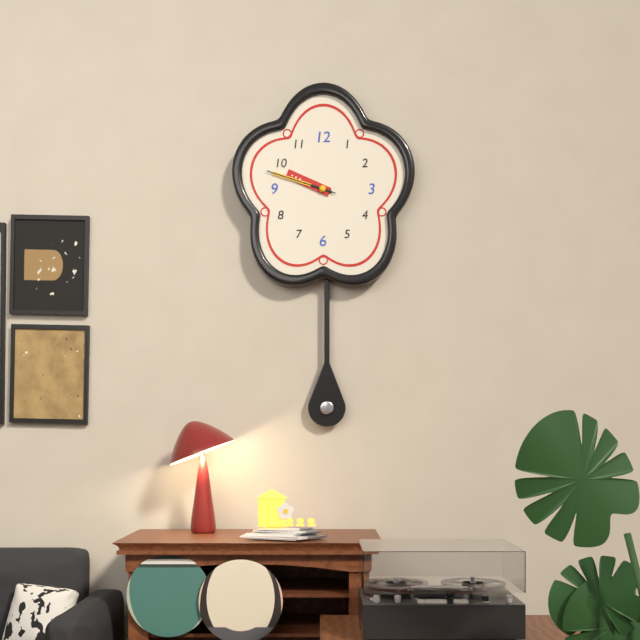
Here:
9 h 48 min 48 s
